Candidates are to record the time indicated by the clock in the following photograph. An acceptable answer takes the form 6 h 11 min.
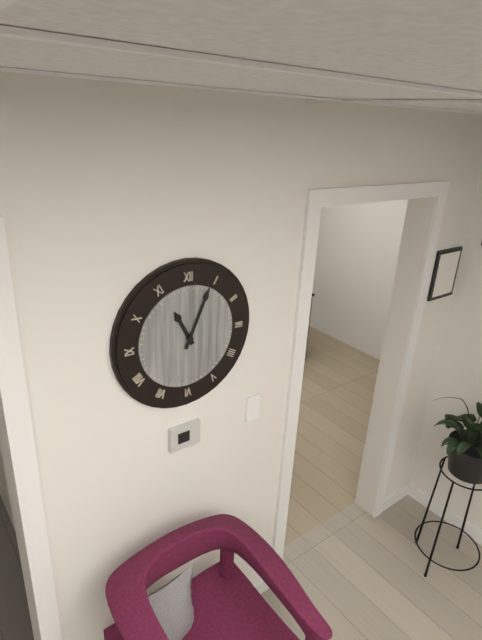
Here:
11 h 04 min
